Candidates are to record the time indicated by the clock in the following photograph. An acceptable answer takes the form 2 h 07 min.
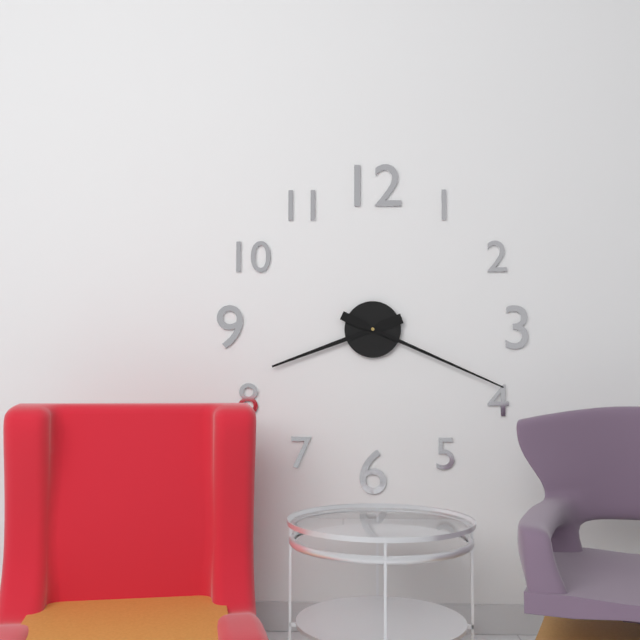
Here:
8 h 19 min
